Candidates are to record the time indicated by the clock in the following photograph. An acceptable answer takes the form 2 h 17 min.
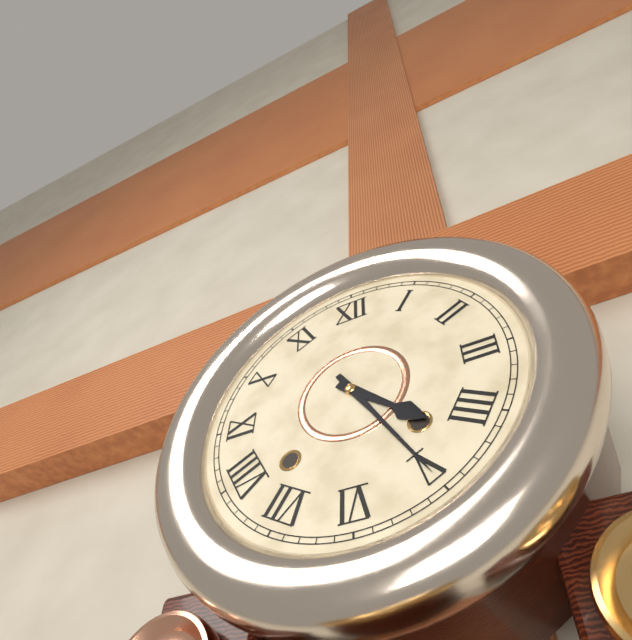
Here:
4 h 25 min
